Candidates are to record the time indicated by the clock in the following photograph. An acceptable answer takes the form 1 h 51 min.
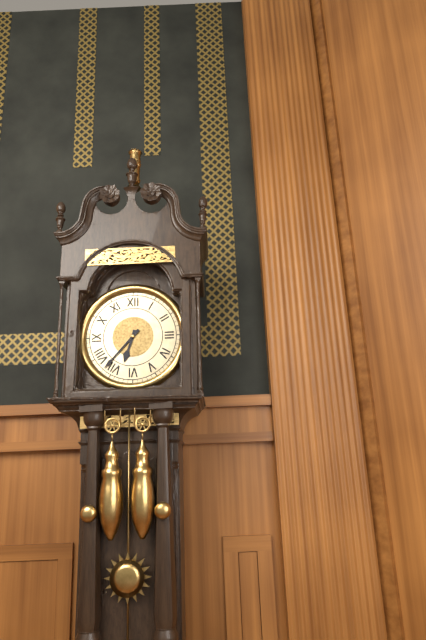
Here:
6 h 37 min
